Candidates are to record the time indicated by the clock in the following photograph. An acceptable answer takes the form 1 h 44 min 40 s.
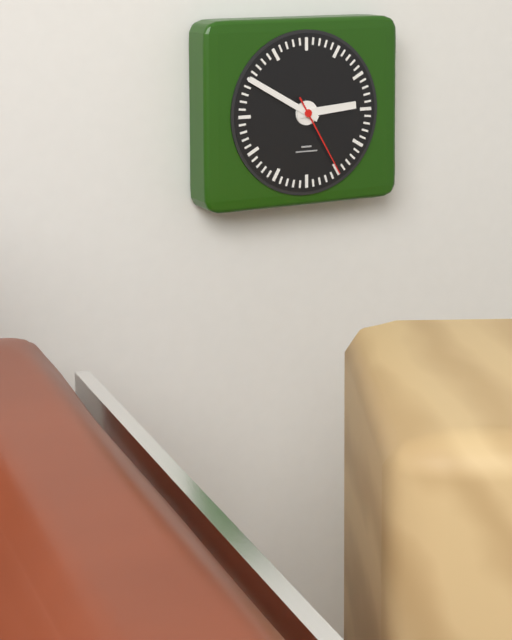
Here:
2 h 50 min 25 s
